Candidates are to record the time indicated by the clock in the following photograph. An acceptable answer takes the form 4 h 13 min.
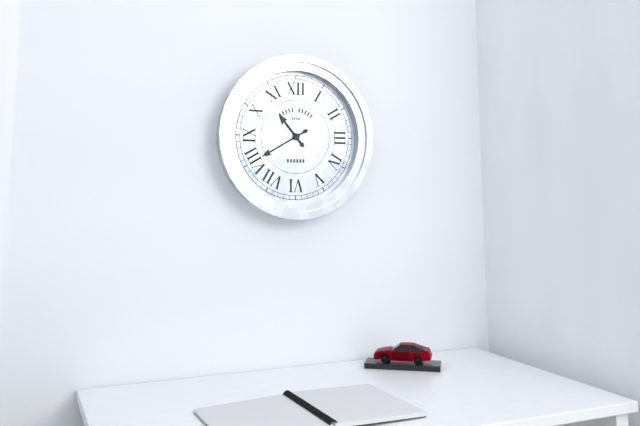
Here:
10 h 40 min
